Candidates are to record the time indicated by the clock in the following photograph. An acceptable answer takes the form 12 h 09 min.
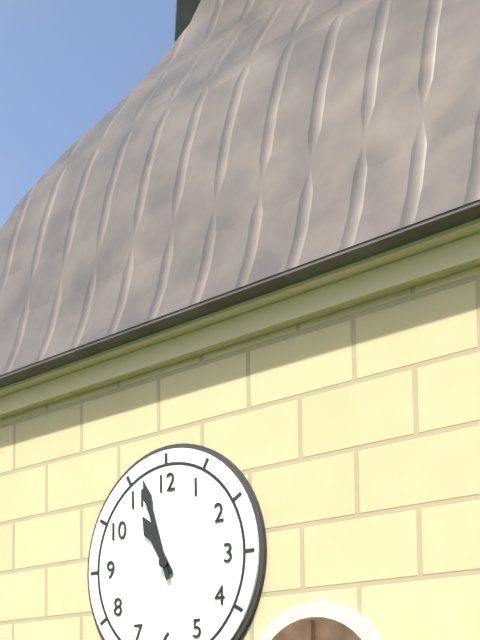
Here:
10 h 57 min
